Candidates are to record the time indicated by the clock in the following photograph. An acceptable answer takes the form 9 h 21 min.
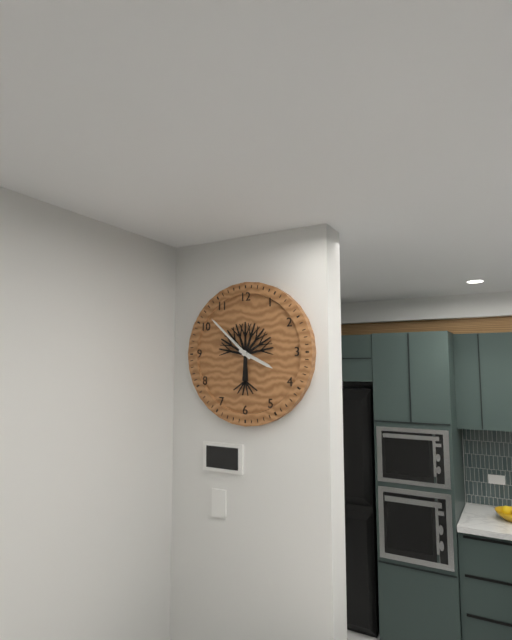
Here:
3 h 52 min
